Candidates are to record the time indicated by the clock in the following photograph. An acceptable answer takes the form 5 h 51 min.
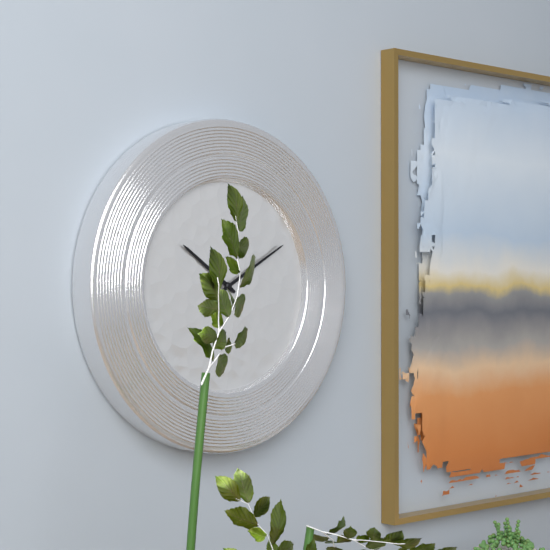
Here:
10 h 10 min
